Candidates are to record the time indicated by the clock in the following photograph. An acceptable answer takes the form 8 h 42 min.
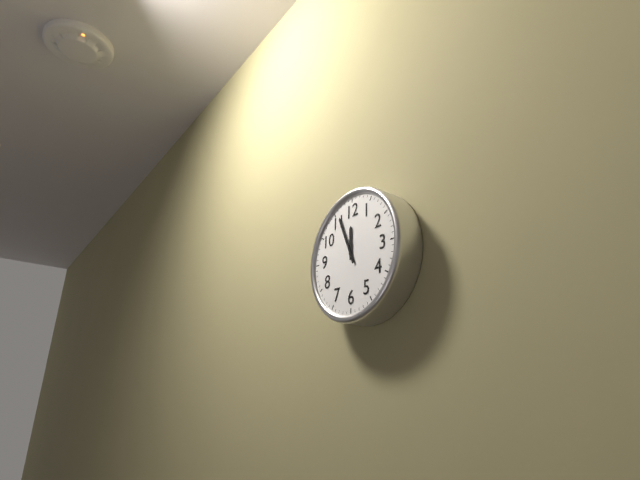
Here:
11 h 56 min
